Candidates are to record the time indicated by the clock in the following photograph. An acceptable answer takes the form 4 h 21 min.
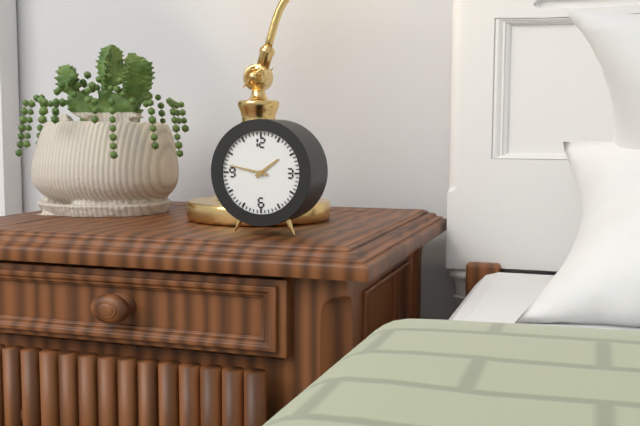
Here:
1 h 47 min
